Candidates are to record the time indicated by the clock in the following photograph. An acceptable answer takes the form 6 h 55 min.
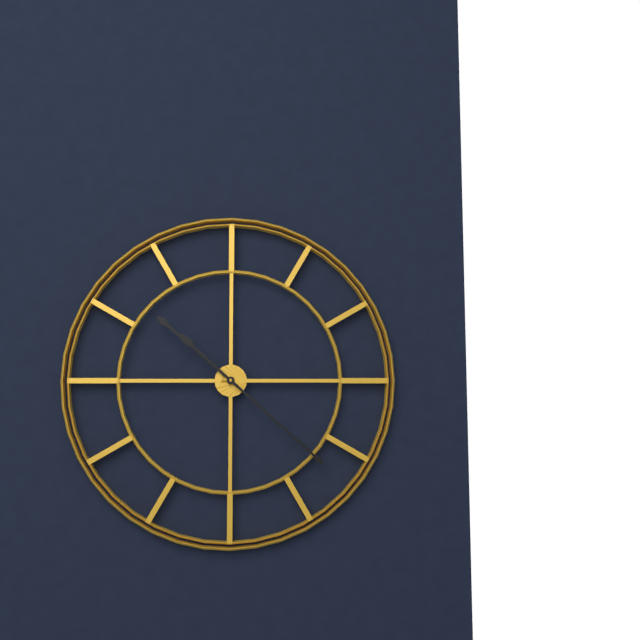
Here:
10 h 22 min
